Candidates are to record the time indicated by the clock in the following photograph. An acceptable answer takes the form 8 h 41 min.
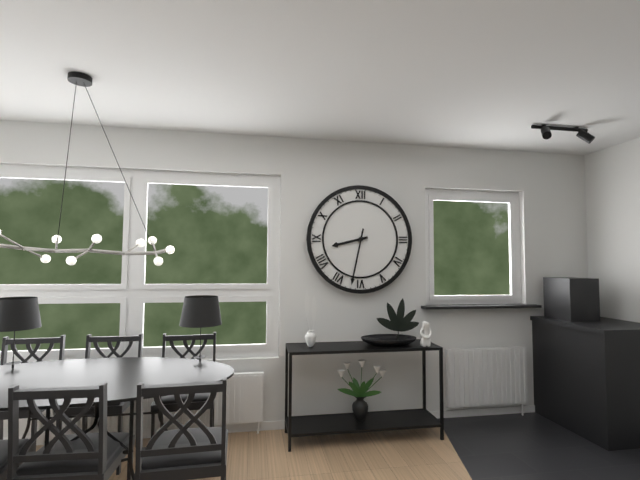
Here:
8 h 32 min
